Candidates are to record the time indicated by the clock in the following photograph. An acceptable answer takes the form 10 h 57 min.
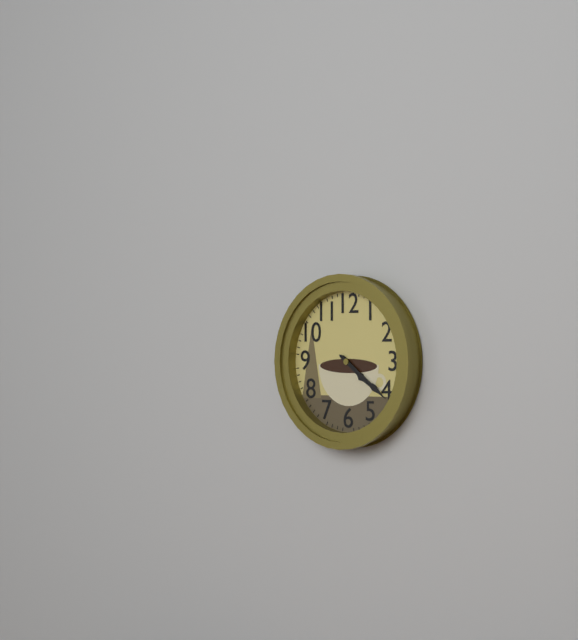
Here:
4 h 21 min
